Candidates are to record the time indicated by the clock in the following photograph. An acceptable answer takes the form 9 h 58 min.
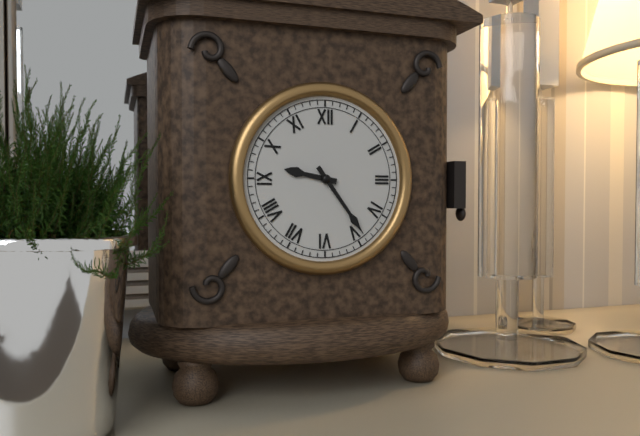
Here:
9 h 24 min
